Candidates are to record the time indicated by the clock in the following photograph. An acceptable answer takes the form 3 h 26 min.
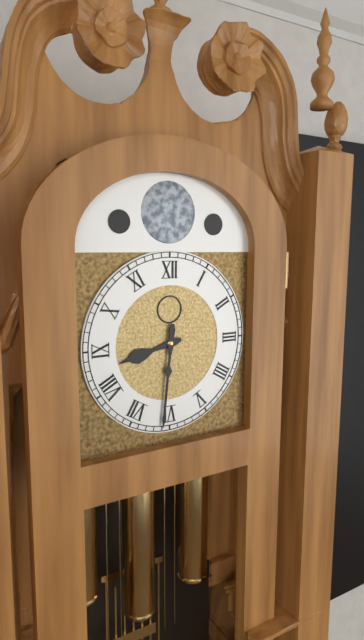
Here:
8 h 31 min
